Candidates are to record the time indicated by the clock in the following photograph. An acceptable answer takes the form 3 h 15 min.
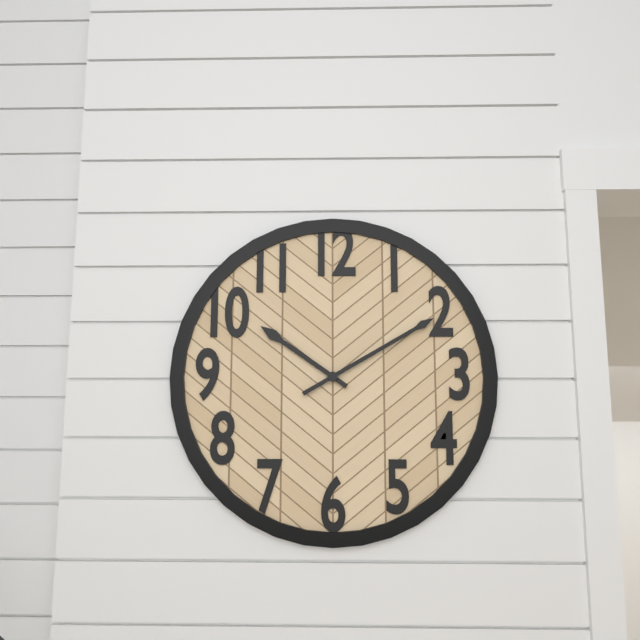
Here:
10 h 10 min
